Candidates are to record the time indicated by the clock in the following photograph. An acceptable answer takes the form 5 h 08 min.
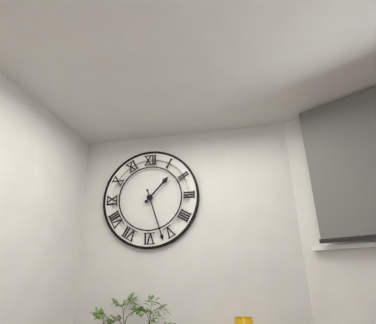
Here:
1 h 27 min
